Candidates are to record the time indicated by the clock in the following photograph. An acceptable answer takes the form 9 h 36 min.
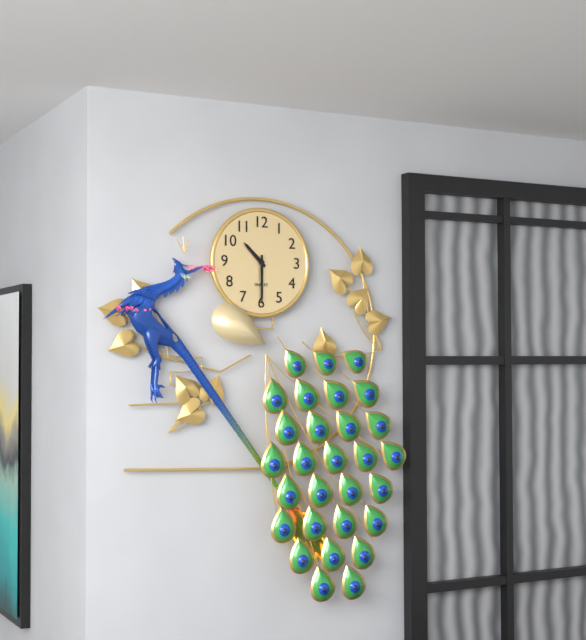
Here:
10 h 30 min
